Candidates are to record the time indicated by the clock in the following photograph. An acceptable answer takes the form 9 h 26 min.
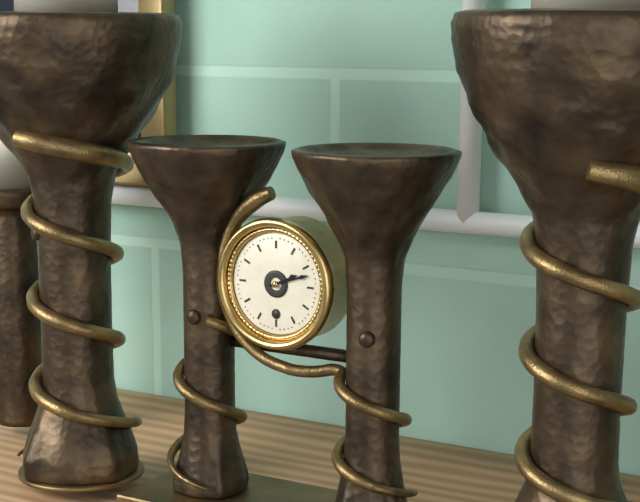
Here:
2 h 12 min
